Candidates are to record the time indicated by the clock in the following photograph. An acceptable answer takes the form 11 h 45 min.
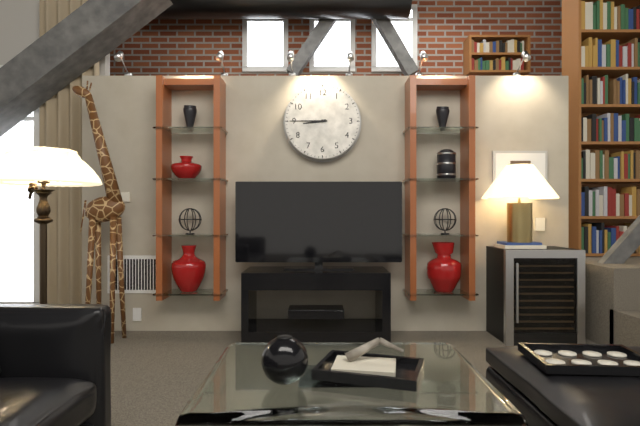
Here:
8 h 45 min
